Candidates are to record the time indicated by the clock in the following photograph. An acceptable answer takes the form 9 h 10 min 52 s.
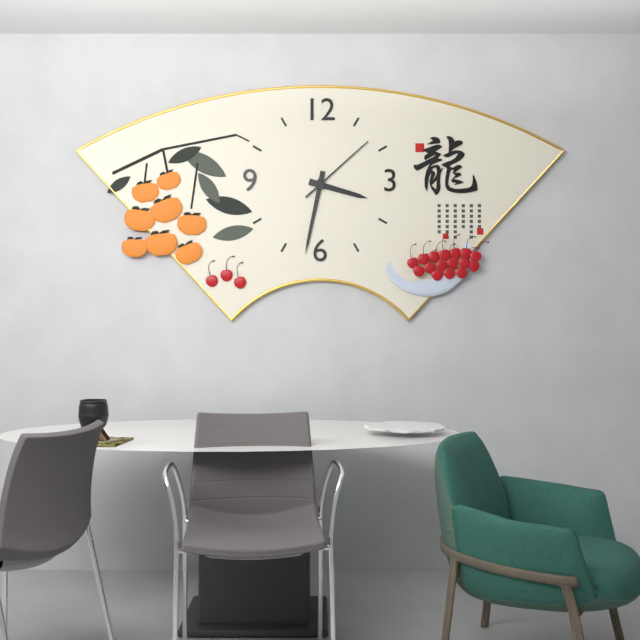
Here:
3 h 32 min 08 s
